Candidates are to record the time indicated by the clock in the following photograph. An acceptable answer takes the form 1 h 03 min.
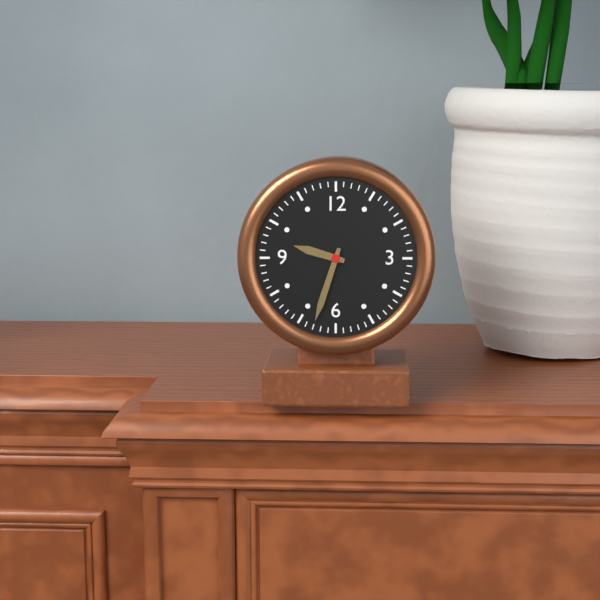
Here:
9 h 33 min
